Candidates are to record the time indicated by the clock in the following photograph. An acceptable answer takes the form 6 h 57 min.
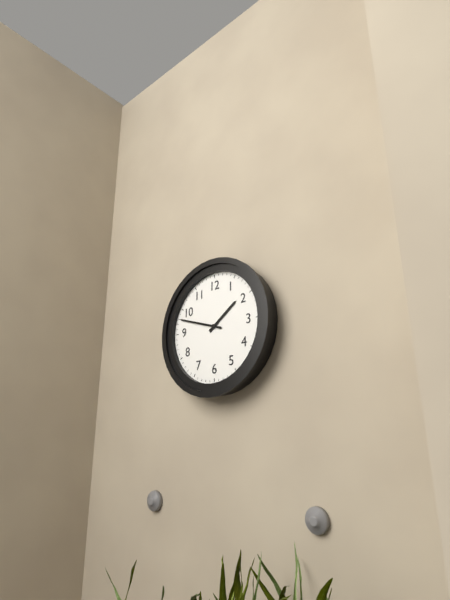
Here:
1 h 48 min
